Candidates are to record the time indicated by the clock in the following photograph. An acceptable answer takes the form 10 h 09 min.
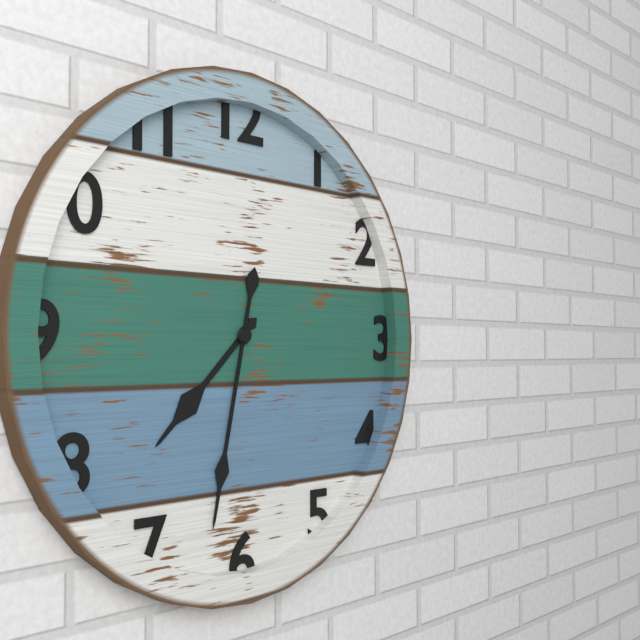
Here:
7 h 32 min
